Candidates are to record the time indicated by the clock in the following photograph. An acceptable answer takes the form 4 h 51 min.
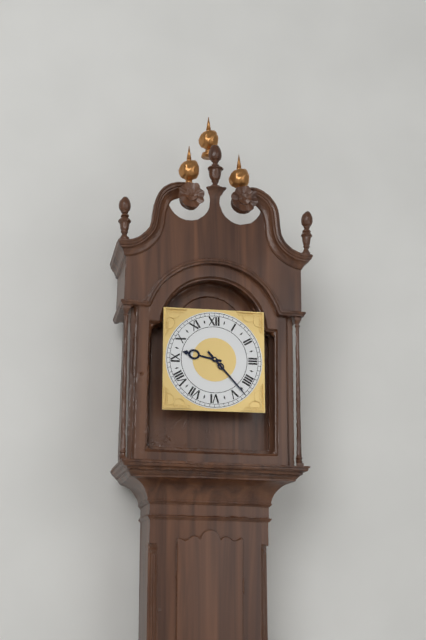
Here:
9 h 23 min
